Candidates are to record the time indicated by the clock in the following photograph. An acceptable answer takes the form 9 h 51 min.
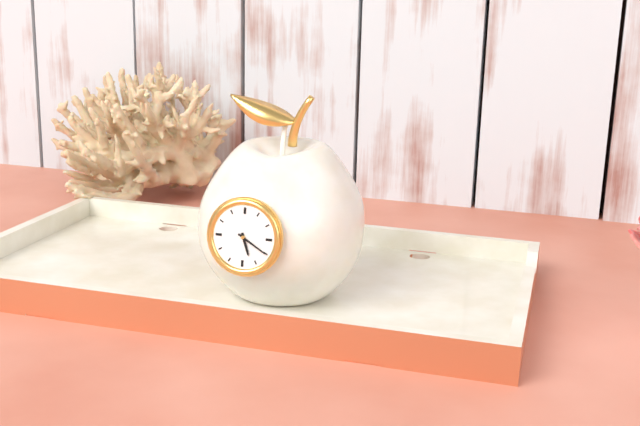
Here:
5 h 20 min
